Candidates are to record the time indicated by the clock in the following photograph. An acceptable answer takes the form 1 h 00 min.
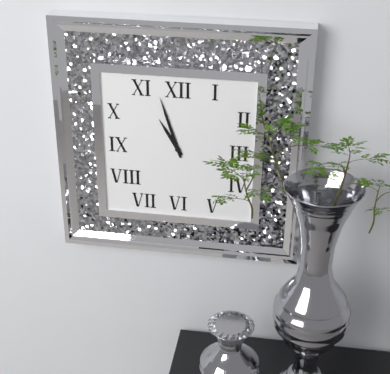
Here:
10 h 57 min
